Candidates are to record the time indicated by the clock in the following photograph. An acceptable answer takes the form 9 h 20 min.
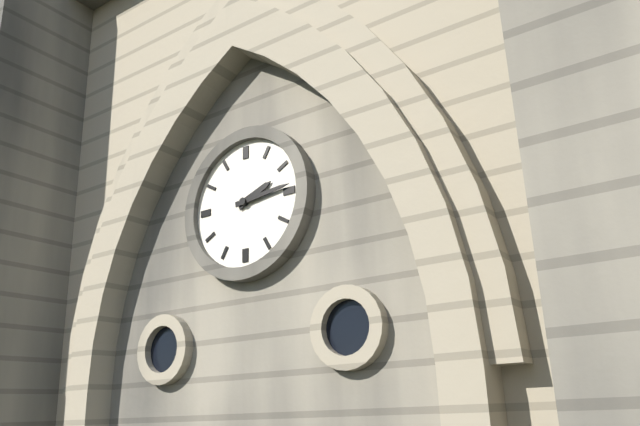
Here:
2 h 14 min
